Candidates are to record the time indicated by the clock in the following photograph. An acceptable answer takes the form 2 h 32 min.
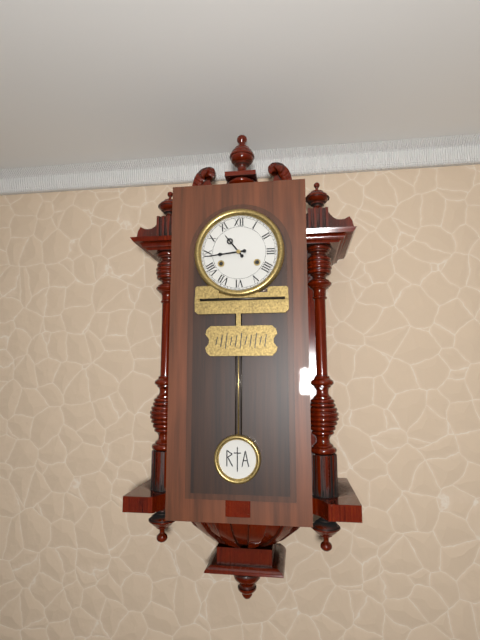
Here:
10 h 44 min
